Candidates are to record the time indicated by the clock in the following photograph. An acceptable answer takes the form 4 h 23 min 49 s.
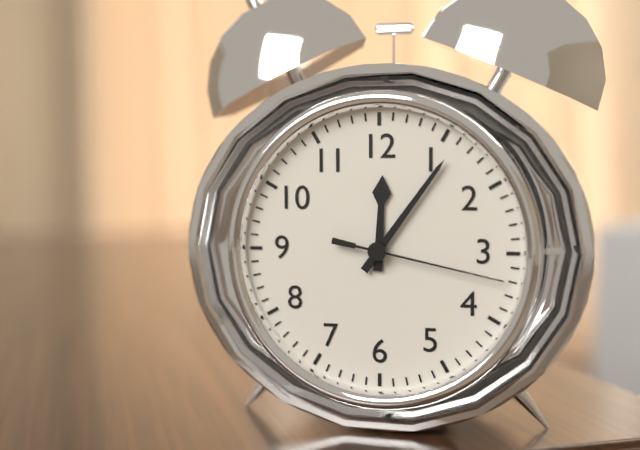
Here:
12 h 06 min 17 s
